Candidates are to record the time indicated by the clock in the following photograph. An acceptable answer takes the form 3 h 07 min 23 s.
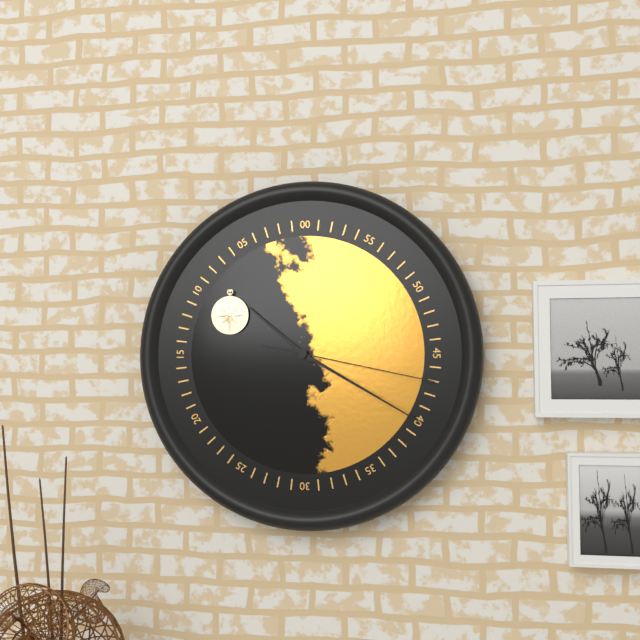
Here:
10 h 20 min 17 s
